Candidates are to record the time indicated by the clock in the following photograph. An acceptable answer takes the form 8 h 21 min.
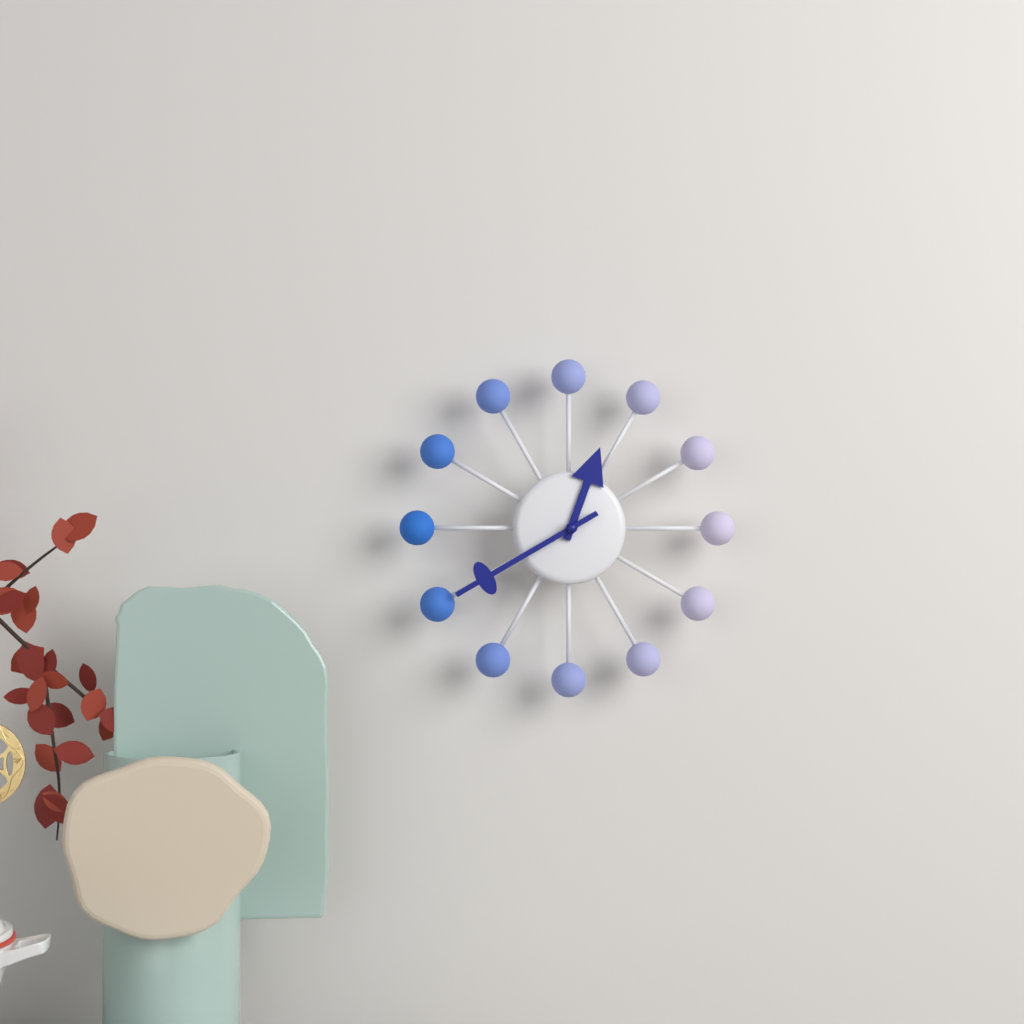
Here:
12 h 40 min
